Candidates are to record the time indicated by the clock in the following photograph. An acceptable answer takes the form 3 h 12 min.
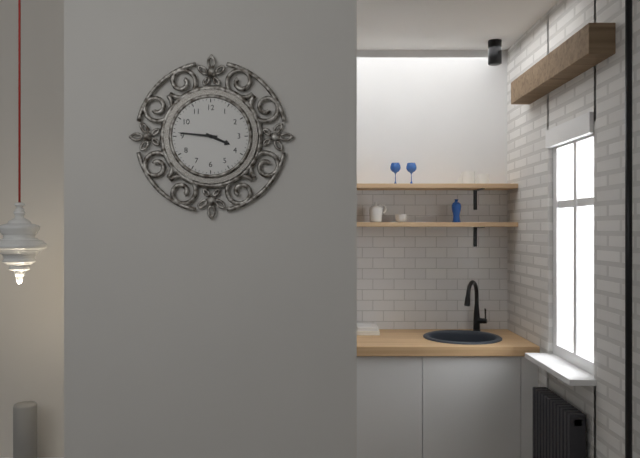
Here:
3 h 46 min
